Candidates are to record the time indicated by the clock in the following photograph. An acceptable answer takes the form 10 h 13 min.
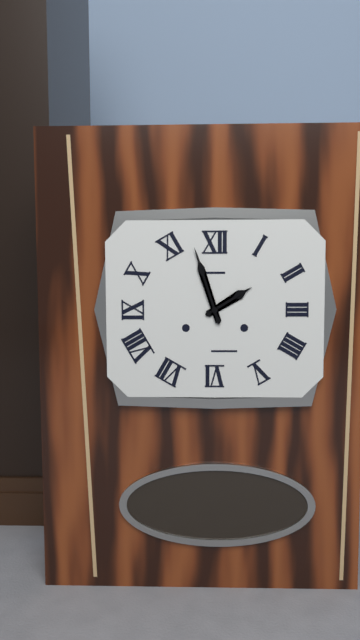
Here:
1 h 57 min
